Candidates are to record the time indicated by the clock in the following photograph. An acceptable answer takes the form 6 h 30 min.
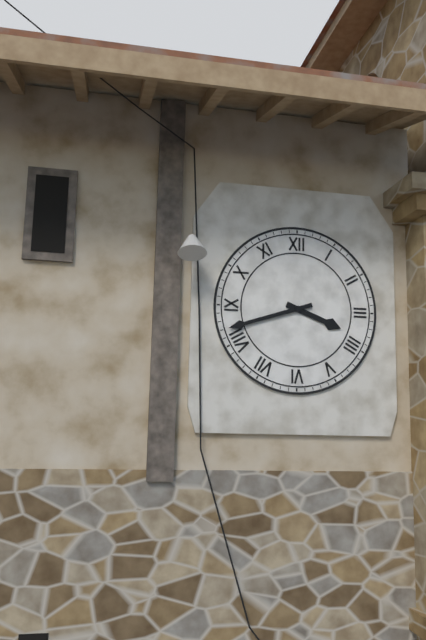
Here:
3 h 42 min
